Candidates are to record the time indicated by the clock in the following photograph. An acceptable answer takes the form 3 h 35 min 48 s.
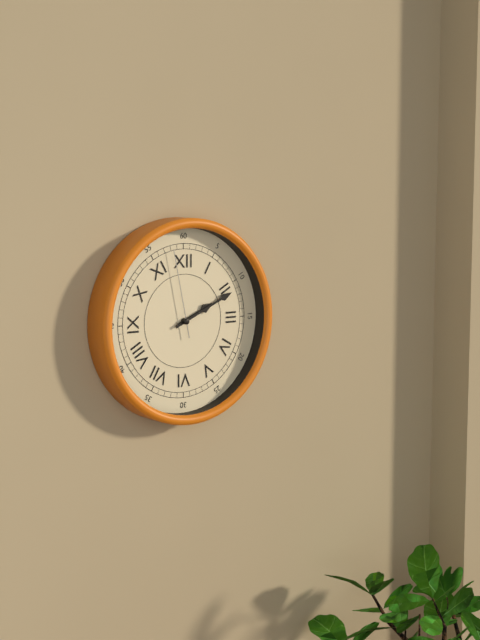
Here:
2 h 11 min 58 s
